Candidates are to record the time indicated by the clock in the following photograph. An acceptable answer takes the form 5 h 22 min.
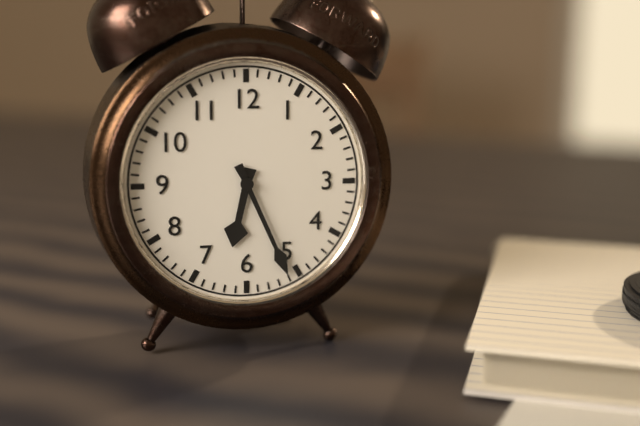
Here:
6 h 26 min
